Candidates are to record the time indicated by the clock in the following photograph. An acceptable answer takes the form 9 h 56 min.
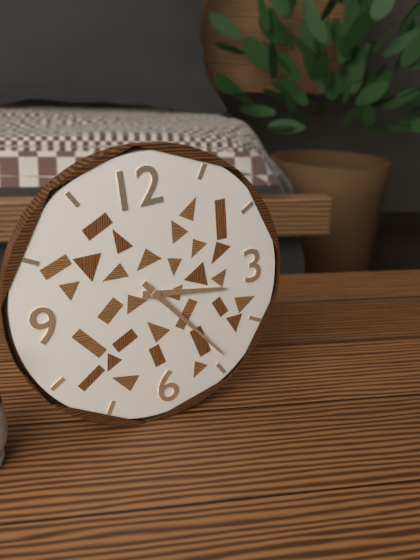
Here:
3 h 24 min
